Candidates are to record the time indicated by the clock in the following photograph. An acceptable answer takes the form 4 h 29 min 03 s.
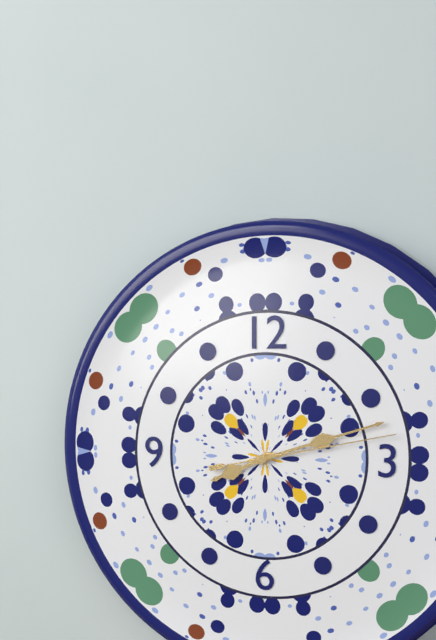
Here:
8 h 12 min 13 s
